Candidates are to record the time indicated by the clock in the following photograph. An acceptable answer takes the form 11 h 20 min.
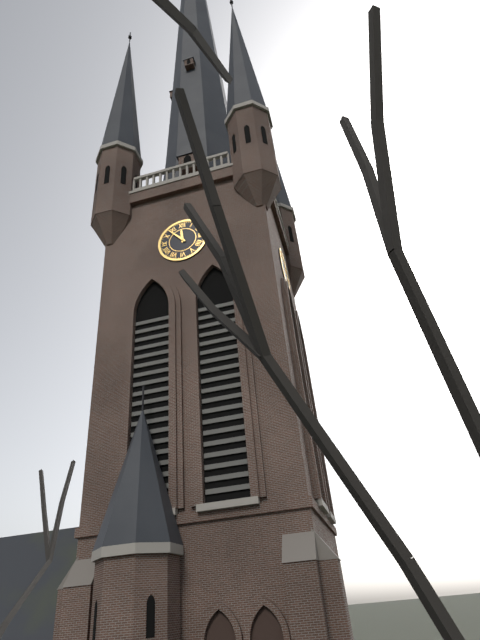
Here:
11 h 53 min
